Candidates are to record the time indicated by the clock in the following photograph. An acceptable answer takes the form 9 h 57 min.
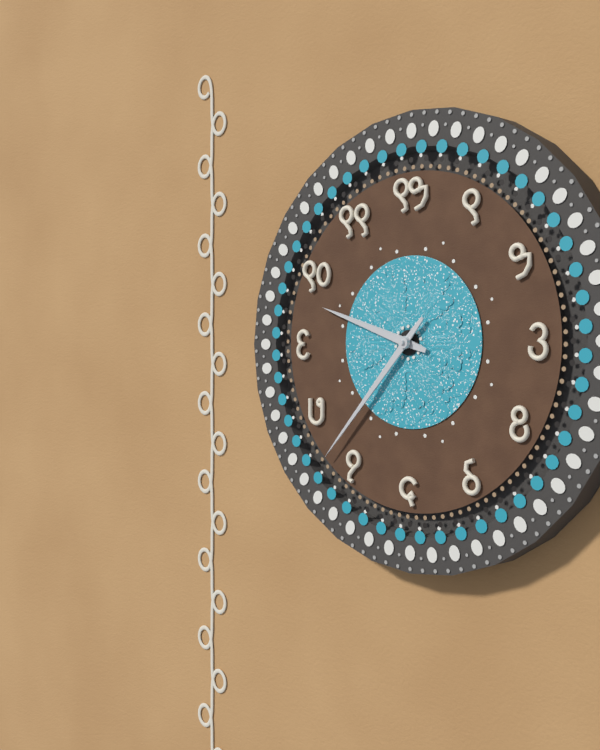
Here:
9 h 37 min
